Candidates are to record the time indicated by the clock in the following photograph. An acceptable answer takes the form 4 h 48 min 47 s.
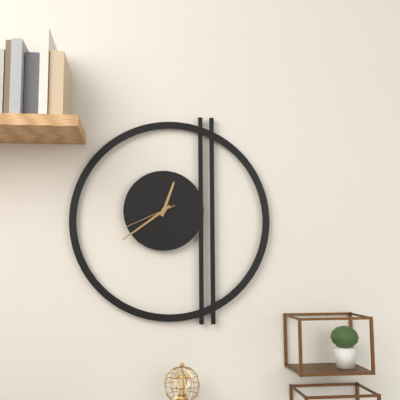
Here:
12 h 39 min 41 s
